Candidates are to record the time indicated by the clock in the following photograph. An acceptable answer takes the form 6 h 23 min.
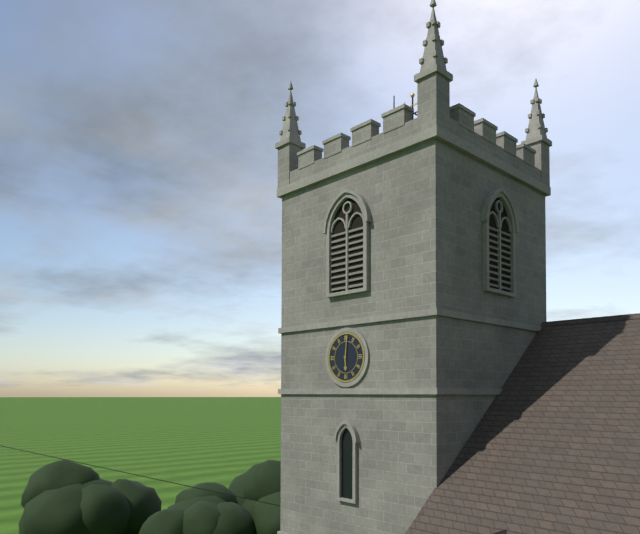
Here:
6 h 01 min
